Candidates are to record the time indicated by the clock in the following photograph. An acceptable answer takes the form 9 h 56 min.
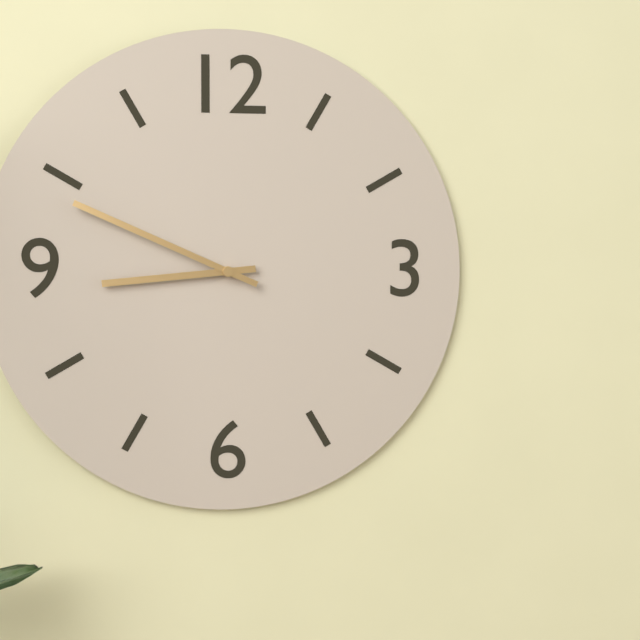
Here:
8 h 49 min
